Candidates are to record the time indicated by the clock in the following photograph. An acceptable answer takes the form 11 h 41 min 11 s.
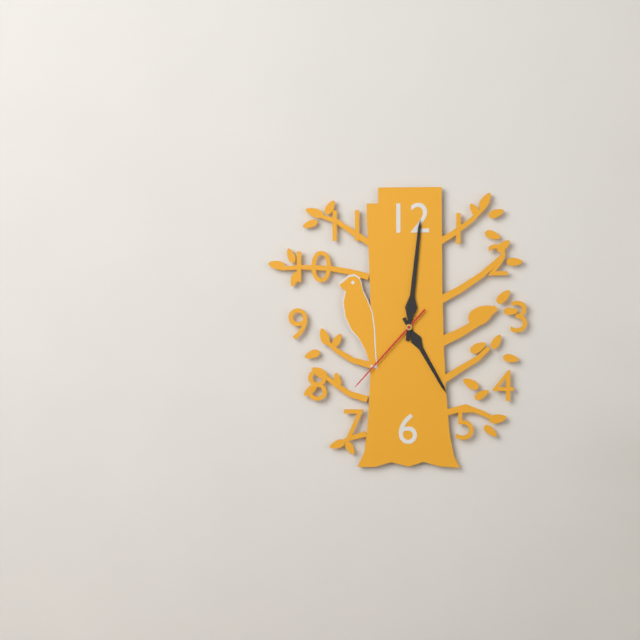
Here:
5 h 01 min 37 s
